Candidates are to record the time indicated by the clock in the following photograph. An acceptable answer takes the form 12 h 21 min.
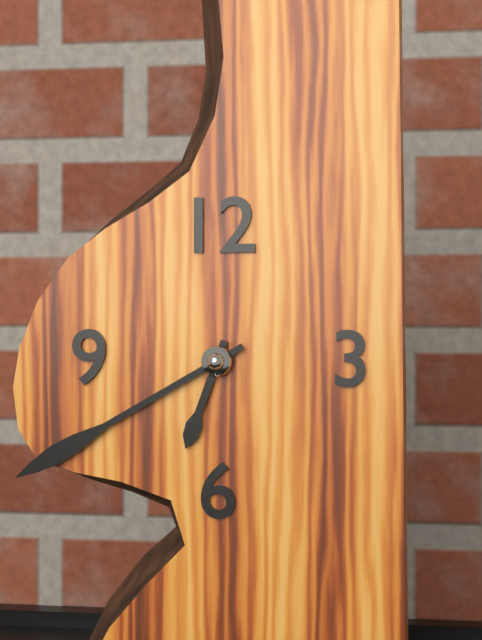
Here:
6 h 40 min
